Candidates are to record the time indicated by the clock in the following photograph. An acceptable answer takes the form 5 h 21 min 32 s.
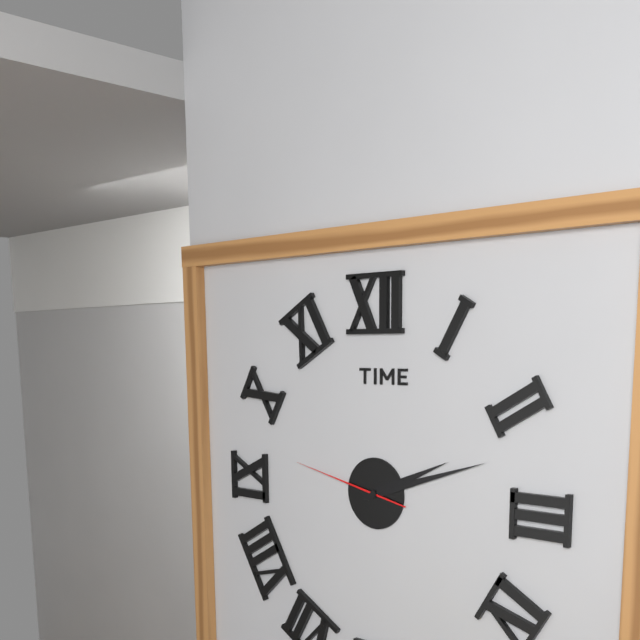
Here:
2 h 12 min 47 s
